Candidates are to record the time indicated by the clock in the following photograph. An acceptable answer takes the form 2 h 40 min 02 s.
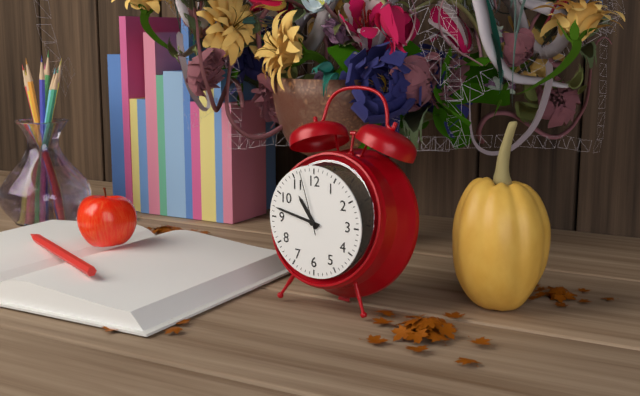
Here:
10 h 47 min 57 s
